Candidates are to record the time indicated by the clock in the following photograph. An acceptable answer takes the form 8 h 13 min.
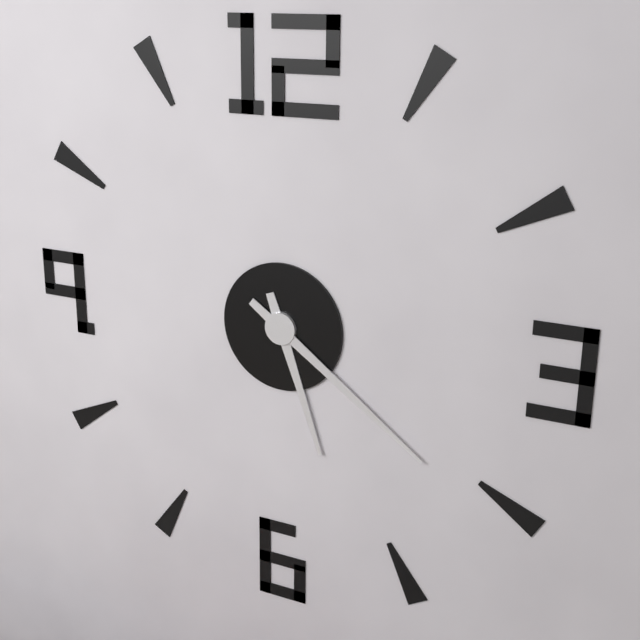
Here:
5 h 21 min
